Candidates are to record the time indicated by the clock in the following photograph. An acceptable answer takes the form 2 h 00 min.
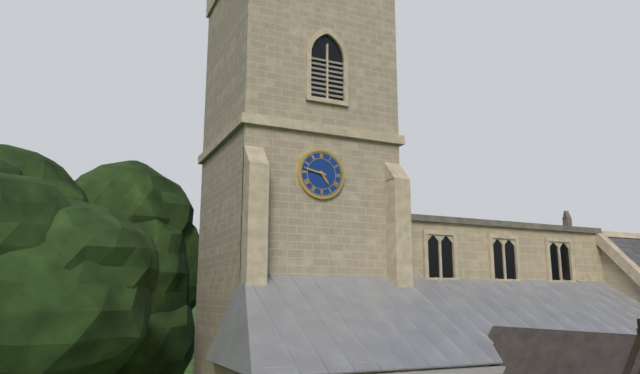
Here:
4 h 47 min
